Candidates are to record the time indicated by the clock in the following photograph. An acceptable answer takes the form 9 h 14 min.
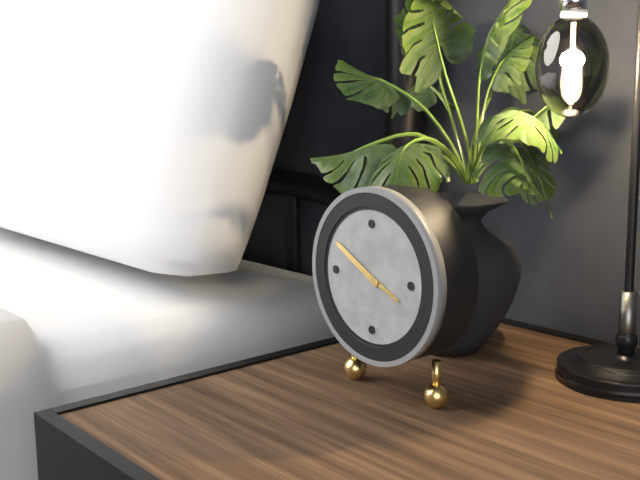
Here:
3 h 50 min
